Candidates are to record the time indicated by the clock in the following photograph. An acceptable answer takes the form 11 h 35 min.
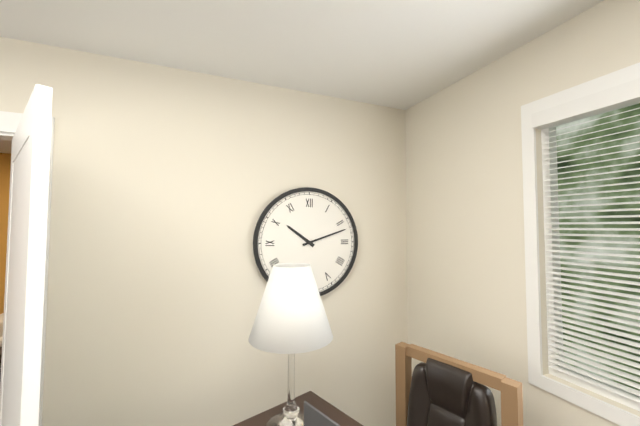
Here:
10 h 12 min
